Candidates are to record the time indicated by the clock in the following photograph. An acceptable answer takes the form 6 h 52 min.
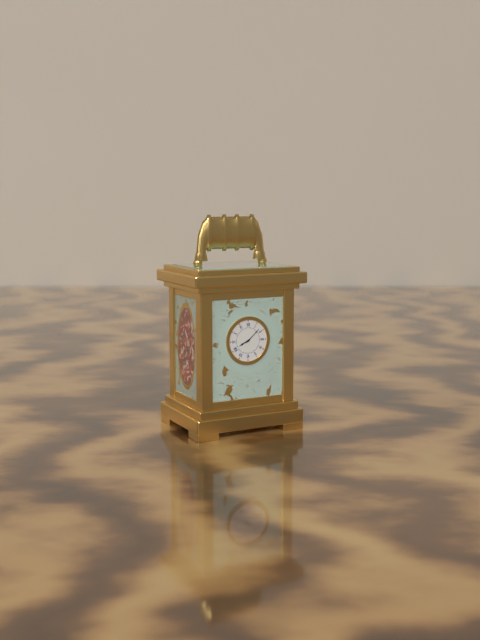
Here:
8 h 08 min
